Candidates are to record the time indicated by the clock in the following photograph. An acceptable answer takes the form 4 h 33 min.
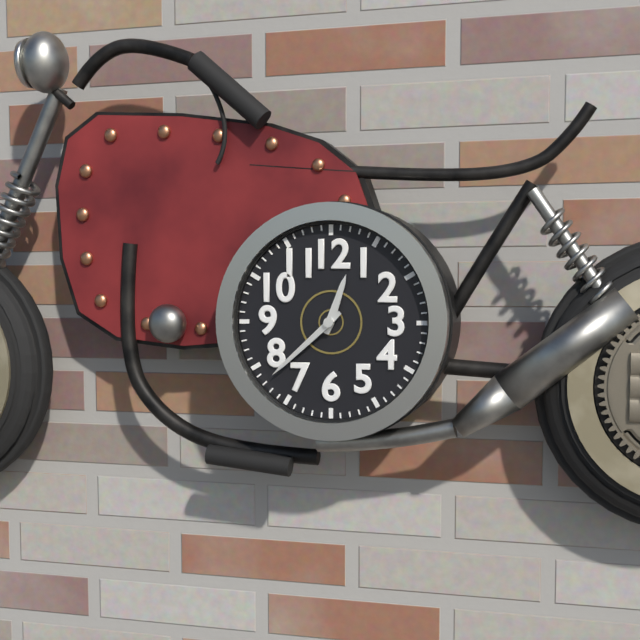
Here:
12 h 38 min
